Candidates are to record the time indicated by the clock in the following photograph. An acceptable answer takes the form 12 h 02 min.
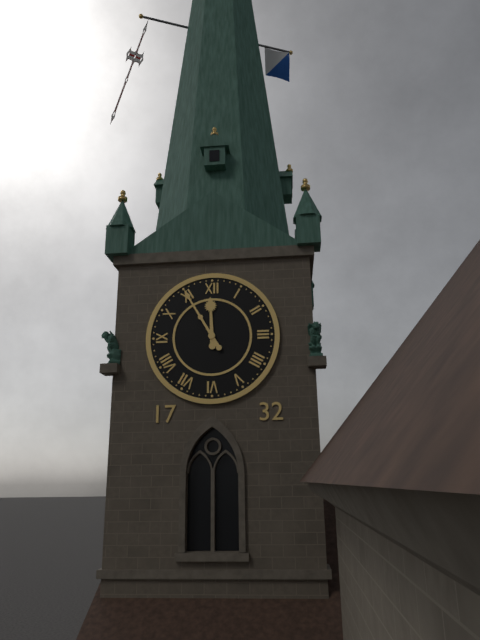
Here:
11 h 55 min
